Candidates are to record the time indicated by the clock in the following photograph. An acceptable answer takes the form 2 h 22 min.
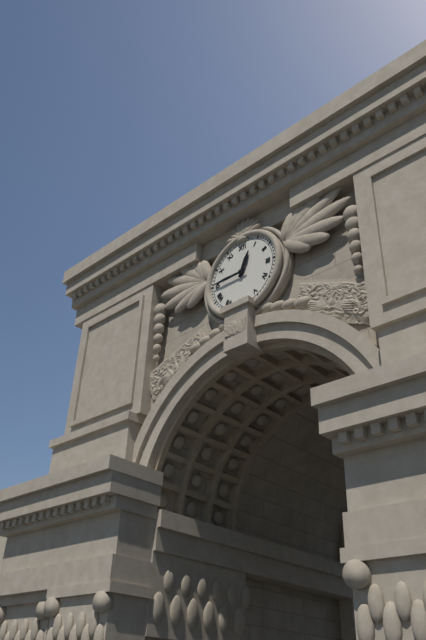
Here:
12 h 45 min
